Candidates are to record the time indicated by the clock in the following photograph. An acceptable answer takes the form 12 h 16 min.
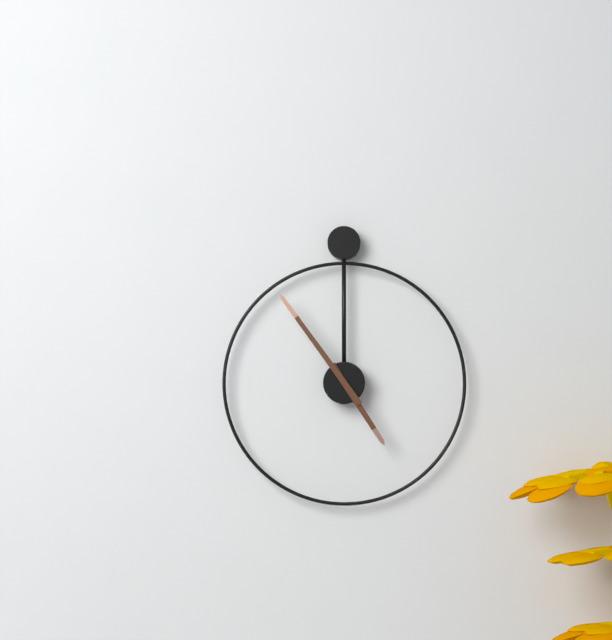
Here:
4 h 54 min
